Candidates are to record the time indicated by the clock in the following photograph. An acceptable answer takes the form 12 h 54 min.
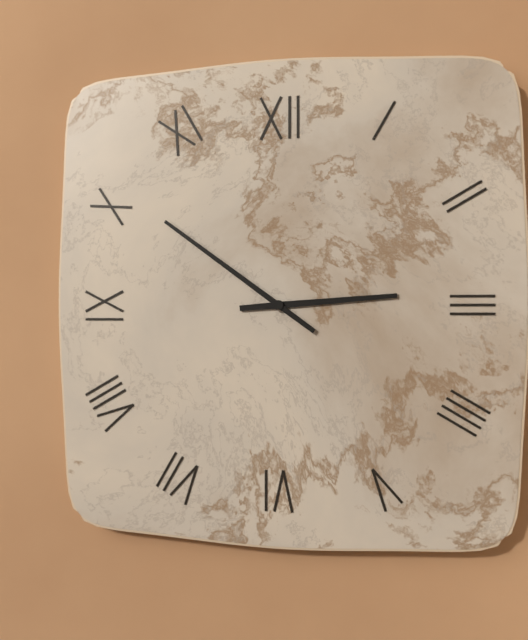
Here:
2 h 51 min
